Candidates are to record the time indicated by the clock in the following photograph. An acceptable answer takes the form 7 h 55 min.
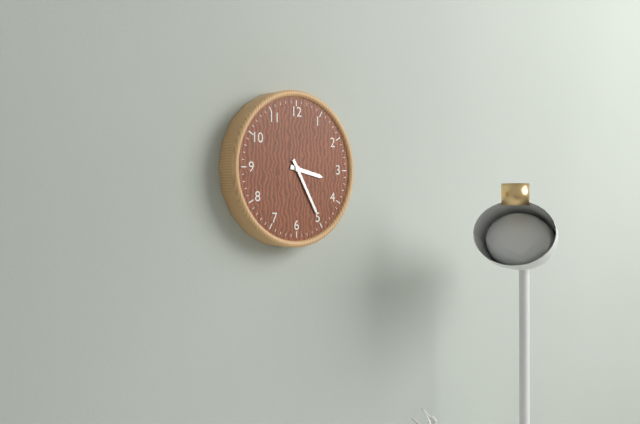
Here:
3 h 25 min
